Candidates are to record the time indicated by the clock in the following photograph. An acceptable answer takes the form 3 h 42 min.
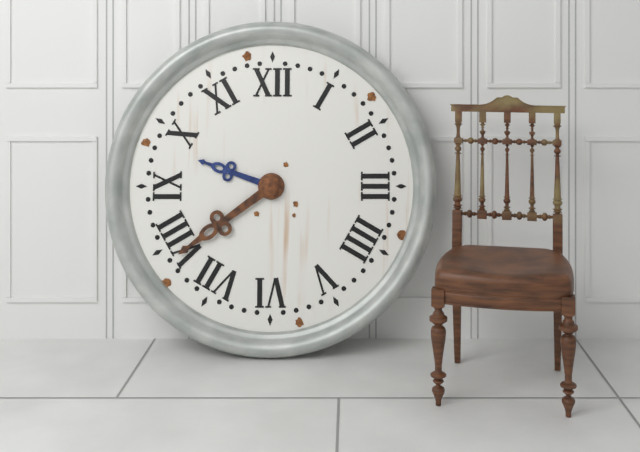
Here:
9 h 39 min
